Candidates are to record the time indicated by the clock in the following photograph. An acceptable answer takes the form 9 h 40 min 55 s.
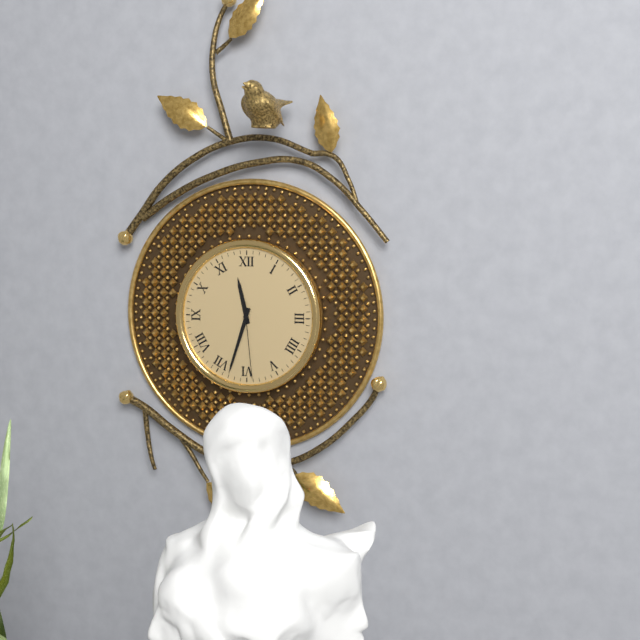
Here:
11 h 33 min 29 s
